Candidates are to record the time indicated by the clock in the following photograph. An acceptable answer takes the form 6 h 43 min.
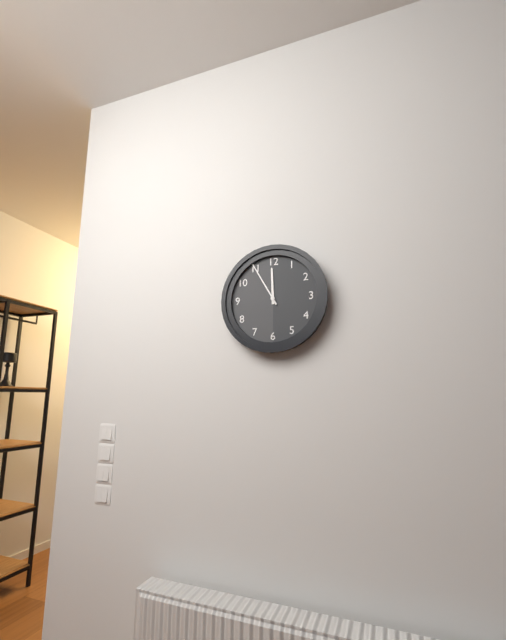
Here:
11 h 55 min
